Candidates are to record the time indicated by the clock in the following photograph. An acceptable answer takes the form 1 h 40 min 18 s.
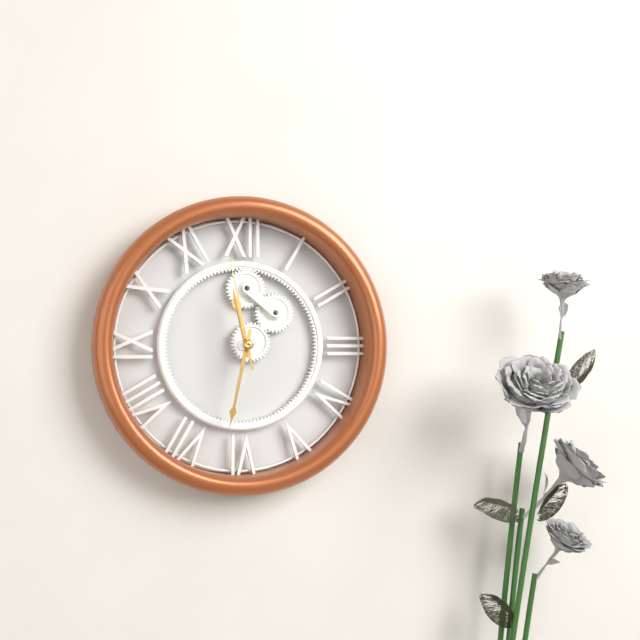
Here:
11 h 32 min 58 s
